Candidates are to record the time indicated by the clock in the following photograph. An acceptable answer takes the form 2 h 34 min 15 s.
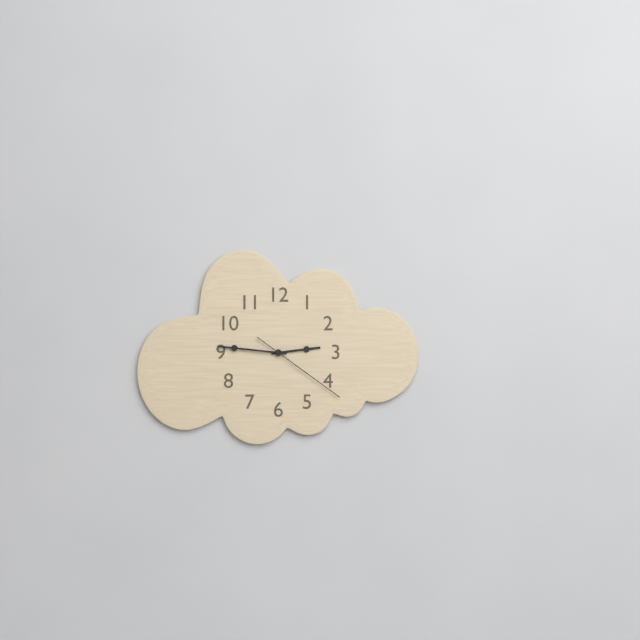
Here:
2 h 46 min 21 s
